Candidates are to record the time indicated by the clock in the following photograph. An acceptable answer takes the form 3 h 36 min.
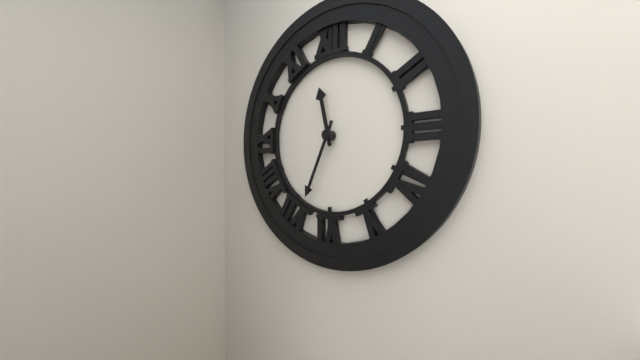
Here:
11 h 34 min
